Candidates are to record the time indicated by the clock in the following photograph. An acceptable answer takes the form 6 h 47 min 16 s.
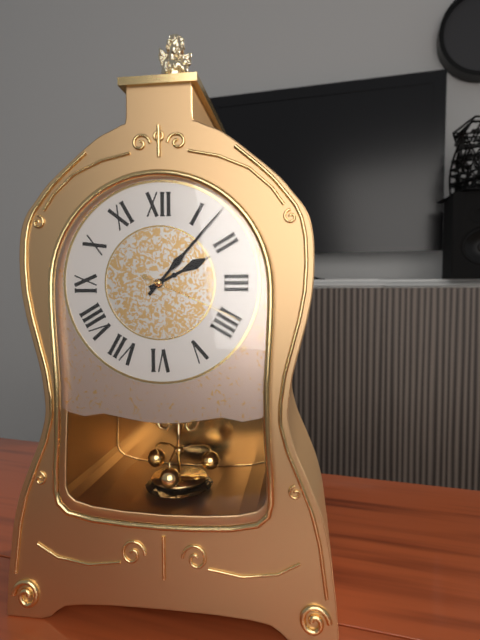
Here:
2 h 07 min 19 s
